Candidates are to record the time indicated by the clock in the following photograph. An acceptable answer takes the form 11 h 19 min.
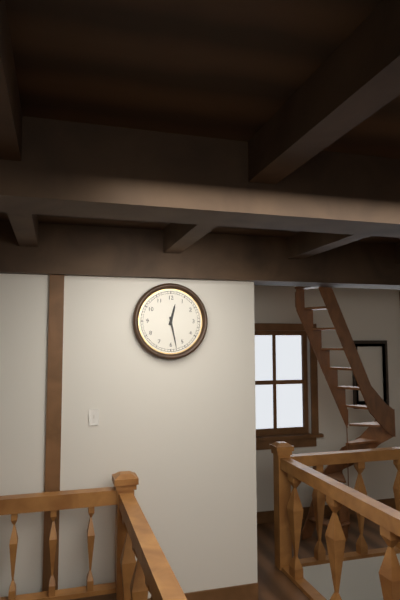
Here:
12 h 28 min
